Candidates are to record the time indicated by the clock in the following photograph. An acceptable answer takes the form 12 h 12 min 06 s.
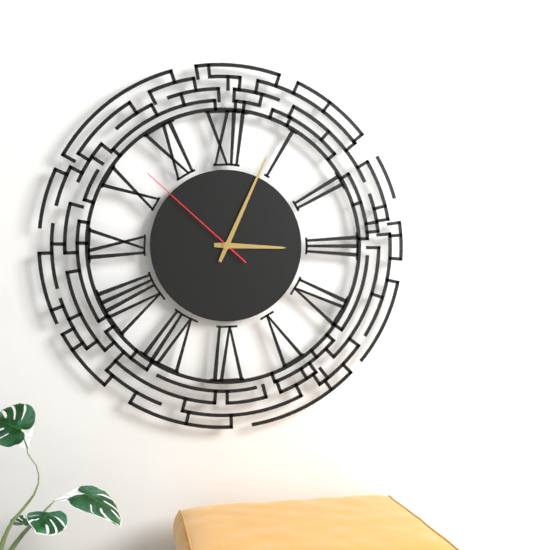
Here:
3 h 04 min 52 s
